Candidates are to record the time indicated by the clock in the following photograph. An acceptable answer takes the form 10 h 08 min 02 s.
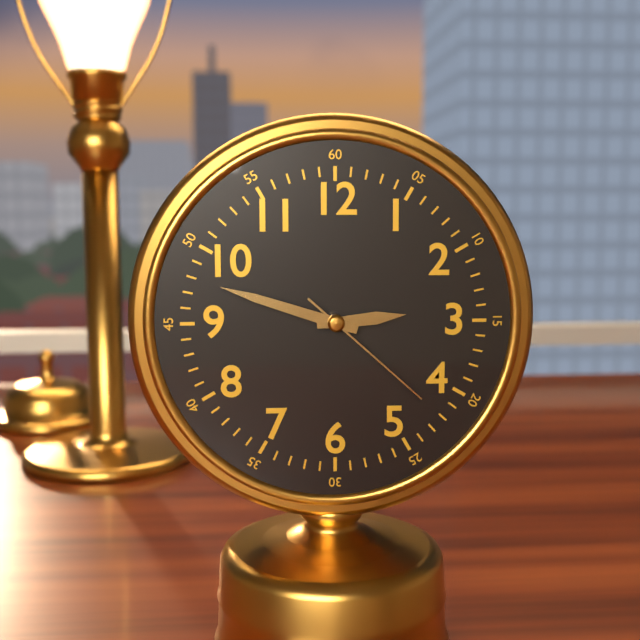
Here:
2 h 48 min 22 s
